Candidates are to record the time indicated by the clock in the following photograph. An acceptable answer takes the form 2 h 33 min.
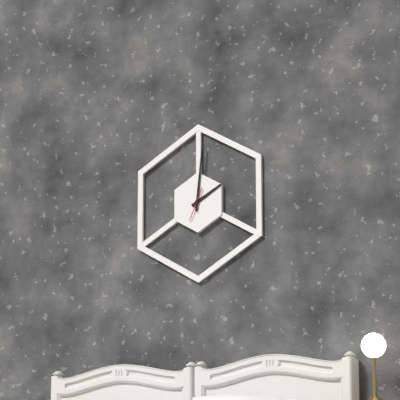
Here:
2 h 01 min
